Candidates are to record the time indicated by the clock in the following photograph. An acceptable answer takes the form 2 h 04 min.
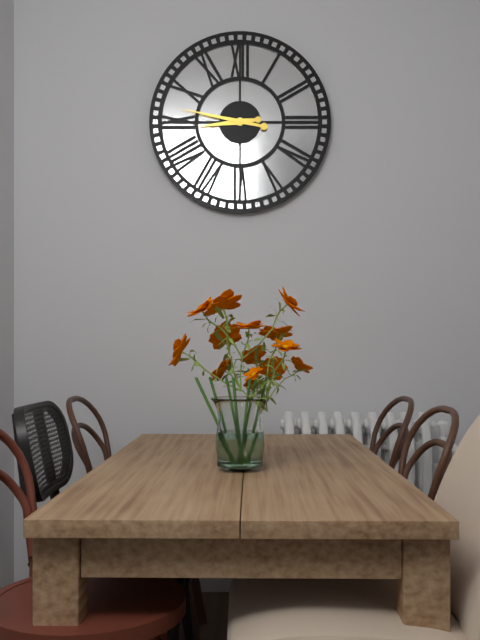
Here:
8 h 47 min
